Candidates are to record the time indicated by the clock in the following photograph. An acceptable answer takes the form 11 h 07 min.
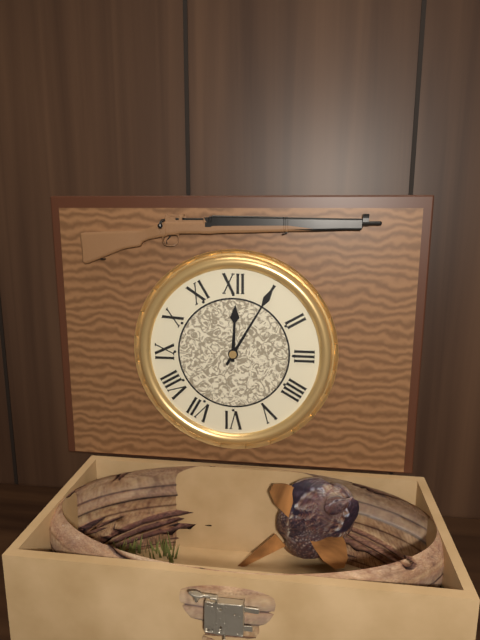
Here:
12 h 05 min
